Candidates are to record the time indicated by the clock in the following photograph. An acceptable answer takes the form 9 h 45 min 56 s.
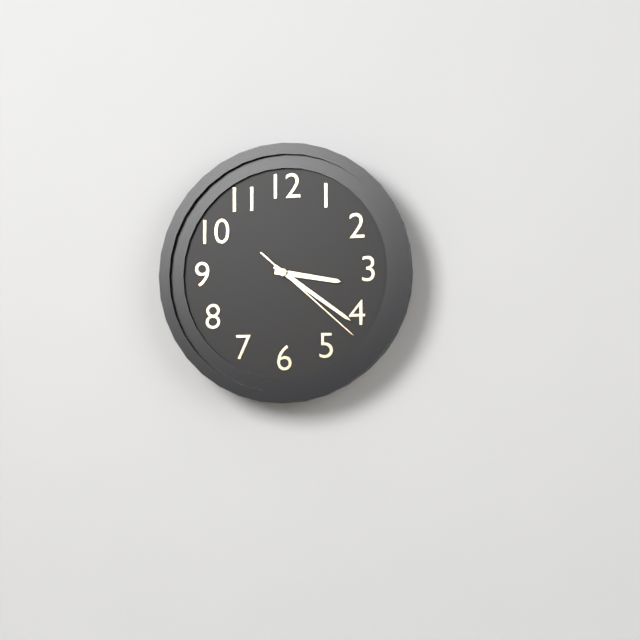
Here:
3 h 21 min 22 s
